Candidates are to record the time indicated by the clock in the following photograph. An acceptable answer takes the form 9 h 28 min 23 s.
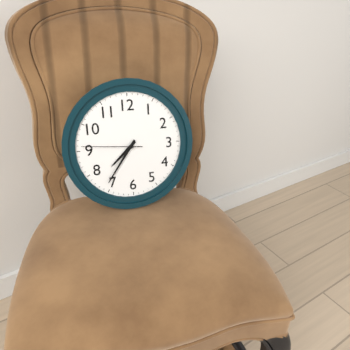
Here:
7 h 36 min 46 s
